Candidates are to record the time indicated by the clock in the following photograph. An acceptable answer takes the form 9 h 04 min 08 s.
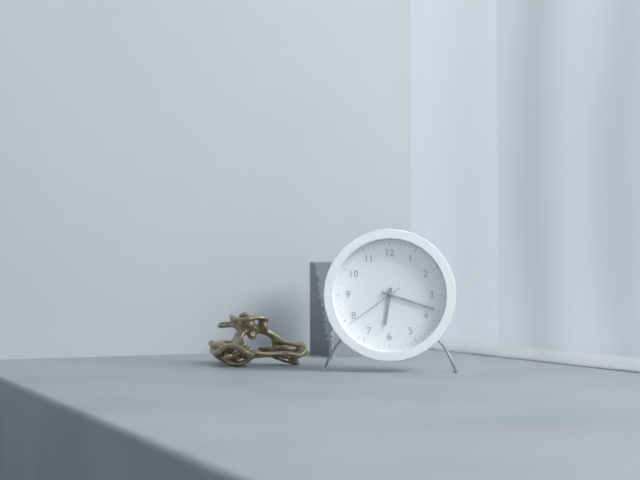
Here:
6 h 18 min 39 s
